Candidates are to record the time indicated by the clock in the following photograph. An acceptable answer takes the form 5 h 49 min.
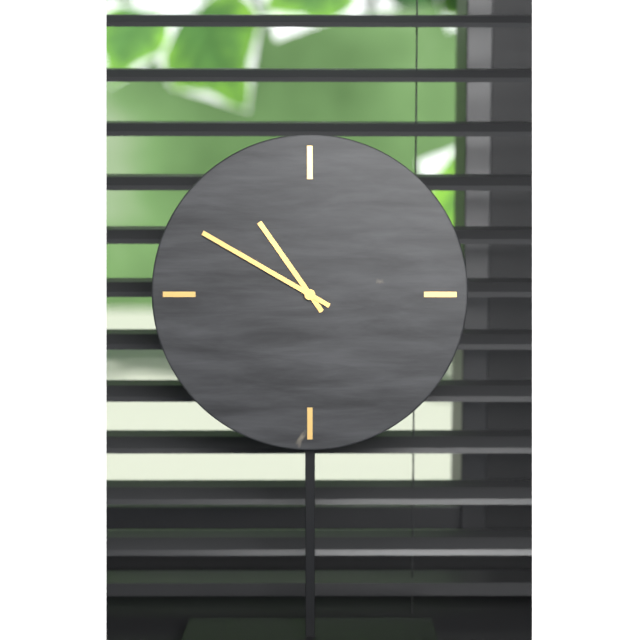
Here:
10 h 50 min
